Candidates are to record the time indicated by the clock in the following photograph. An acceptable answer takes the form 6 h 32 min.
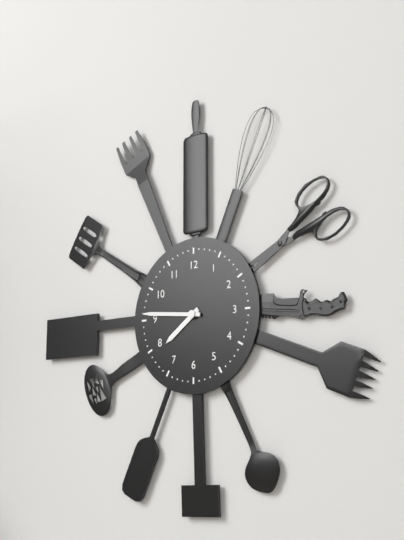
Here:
7 h 46 min
